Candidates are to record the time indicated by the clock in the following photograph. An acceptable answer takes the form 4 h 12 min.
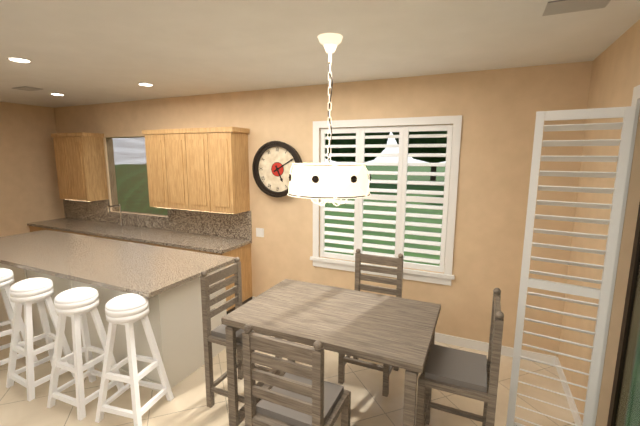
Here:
5 h 10 min
